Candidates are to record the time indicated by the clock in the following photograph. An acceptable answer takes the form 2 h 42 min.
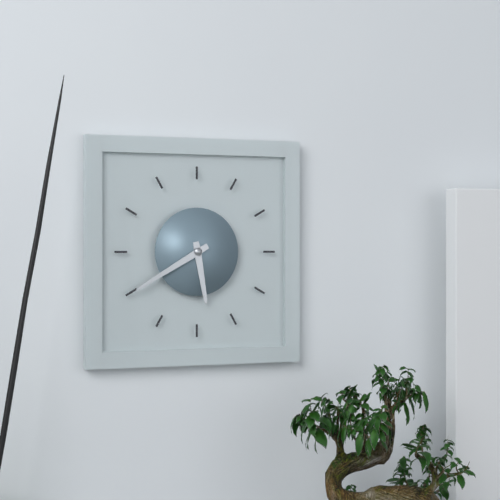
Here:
5 h 40 min
